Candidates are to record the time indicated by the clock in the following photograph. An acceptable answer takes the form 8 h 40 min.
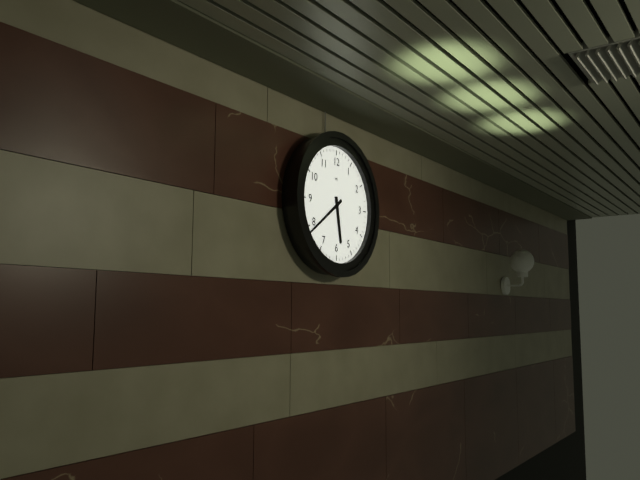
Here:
5 h 39 min
